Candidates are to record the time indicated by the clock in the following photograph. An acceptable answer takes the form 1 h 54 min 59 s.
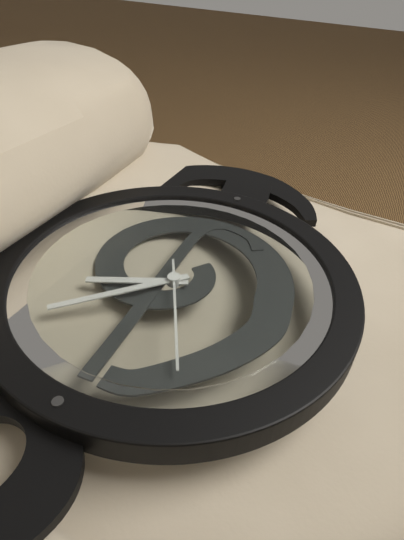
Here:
2 h 07 min 55 s
